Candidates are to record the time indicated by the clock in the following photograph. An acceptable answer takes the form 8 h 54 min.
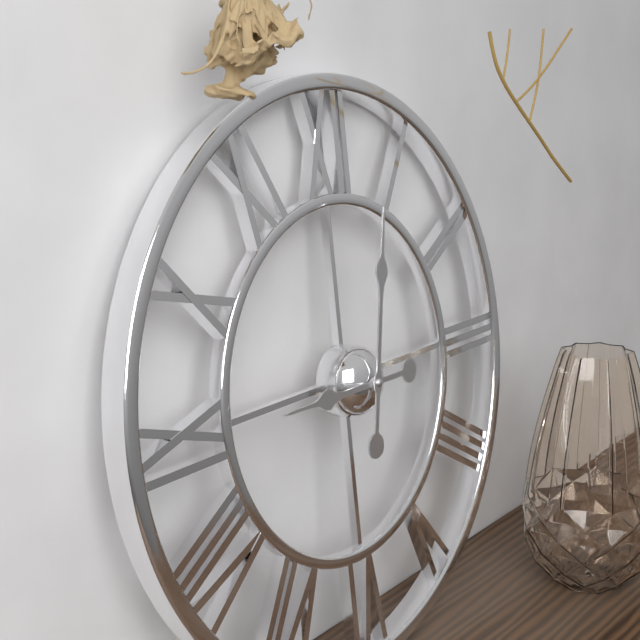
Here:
9 h 02 min
